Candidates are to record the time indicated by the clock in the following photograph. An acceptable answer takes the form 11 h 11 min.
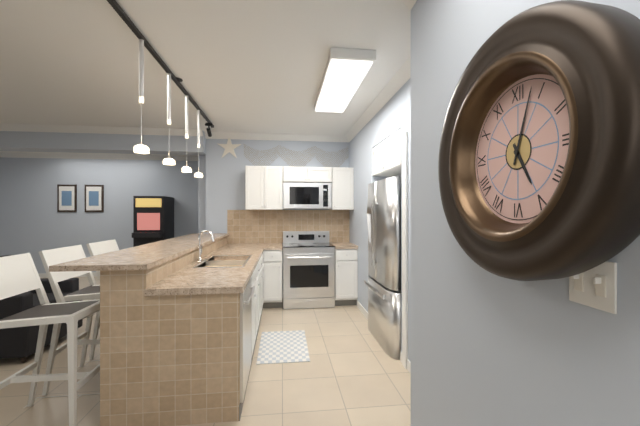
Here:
5 h 03 min
